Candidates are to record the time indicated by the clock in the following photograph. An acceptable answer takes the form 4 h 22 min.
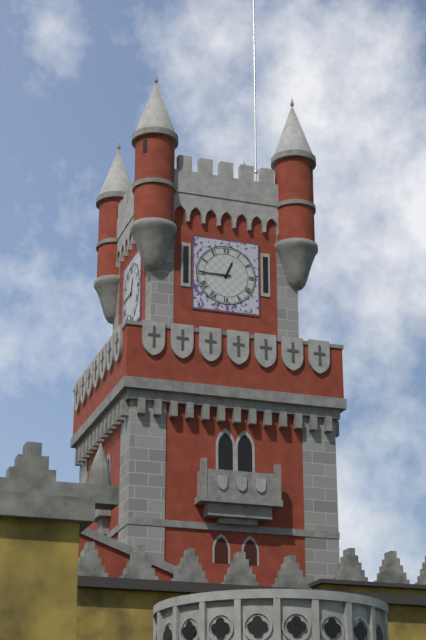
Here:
12 h 45 min
